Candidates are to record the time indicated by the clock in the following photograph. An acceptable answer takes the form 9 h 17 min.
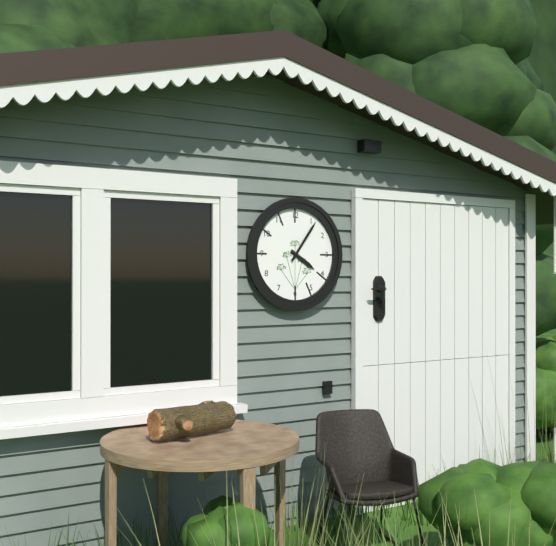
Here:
4 h 06 min
